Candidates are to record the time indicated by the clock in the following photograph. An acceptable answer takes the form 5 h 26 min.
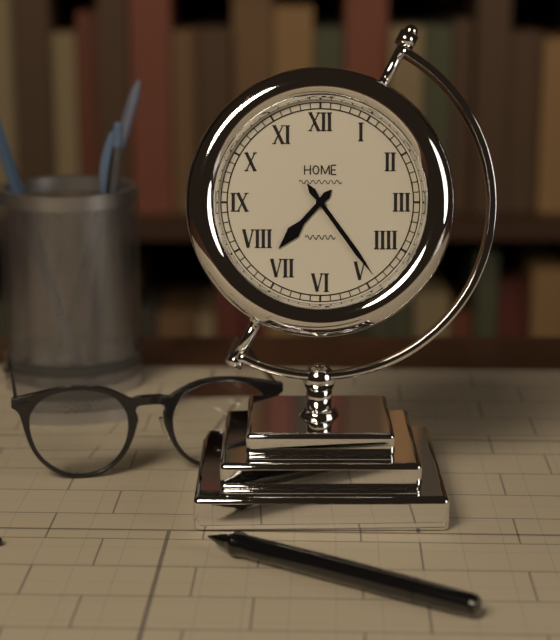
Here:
7 h 24 min
